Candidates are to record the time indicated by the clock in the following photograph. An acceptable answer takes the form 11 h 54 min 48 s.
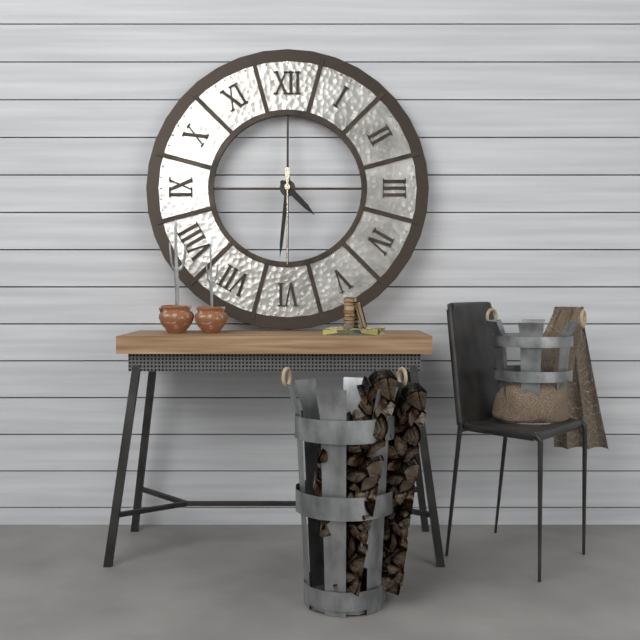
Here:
4 h 31 min 30 s
